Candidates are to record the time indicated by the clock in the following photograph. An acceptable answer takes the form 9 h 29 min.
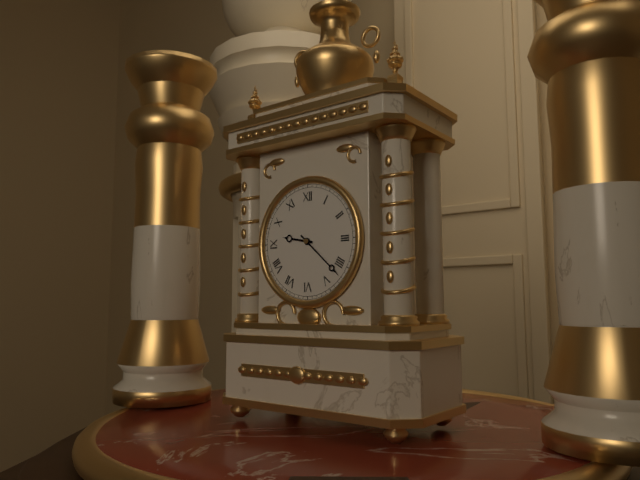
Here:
9 h 22 min
